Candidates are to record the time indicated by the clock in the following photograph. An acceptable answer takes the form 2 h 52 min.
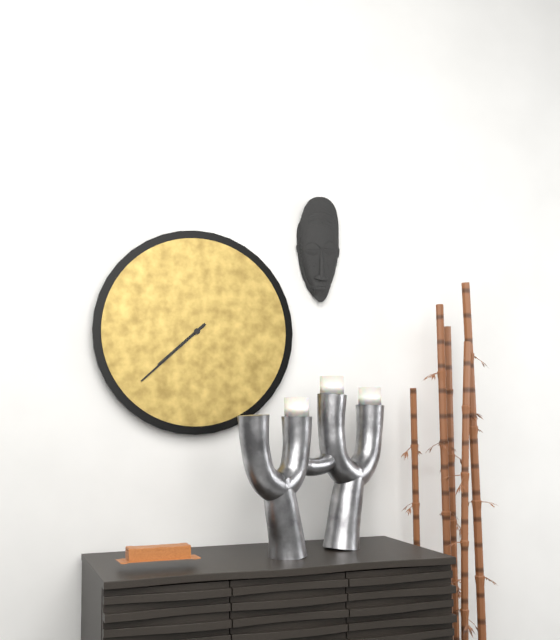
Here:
7 h 38 min
